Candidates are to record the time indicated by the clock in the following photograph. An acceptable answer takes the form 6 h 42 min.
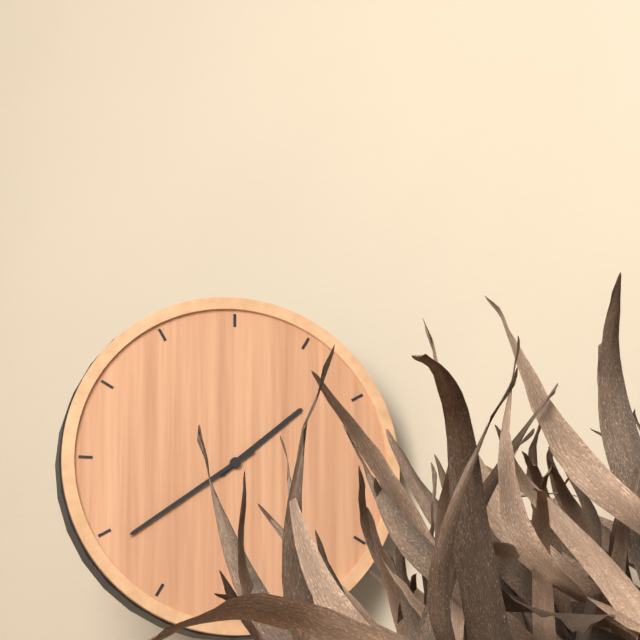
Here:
1 h 39 min
